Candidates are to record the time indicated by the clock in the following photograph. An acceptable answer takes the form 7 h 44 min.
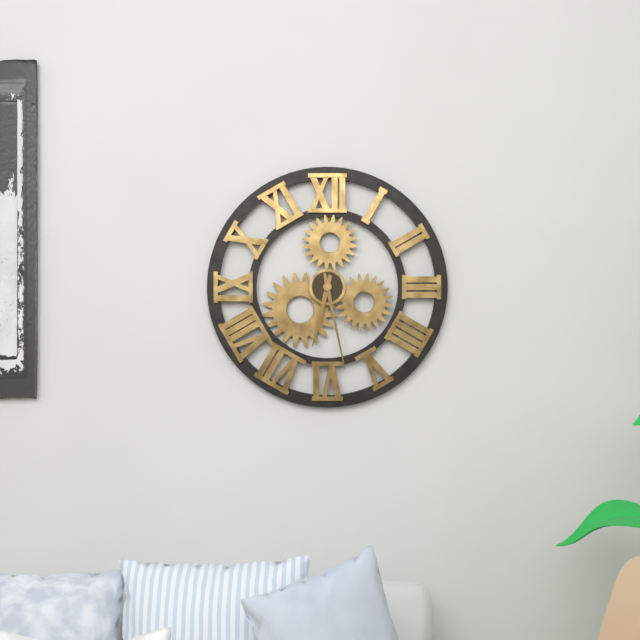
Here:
6 h 28 min
